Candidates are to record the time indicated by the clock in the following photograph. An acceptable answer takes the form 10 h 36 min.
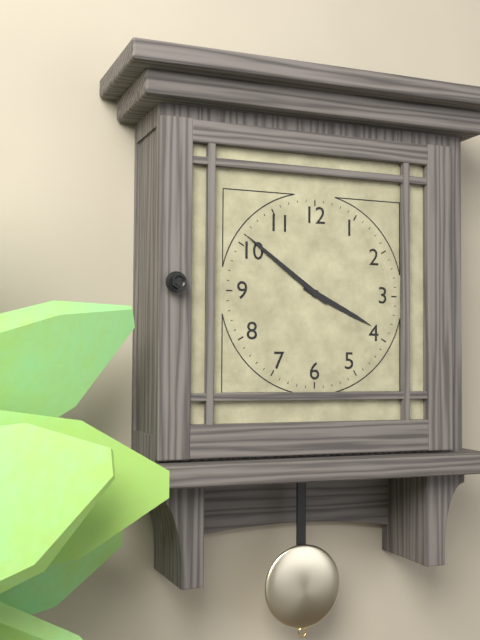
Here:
3 h 51 min
